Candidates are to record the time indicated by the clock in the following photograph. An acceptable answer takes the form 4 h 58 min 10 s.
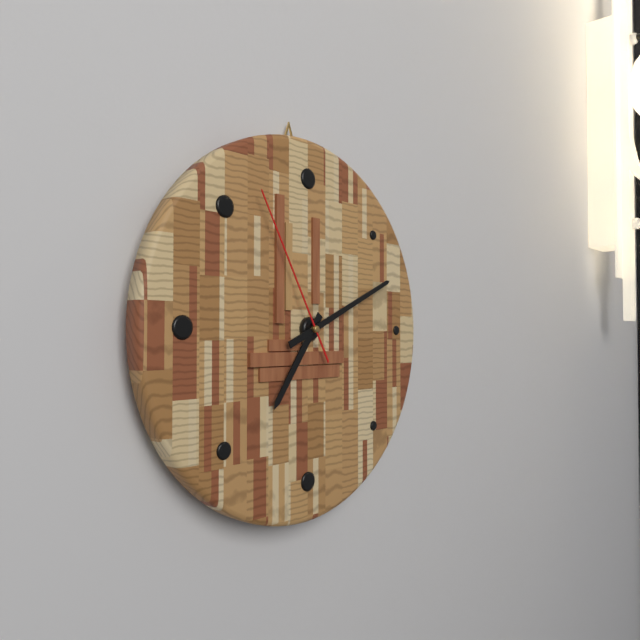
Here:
7 h 11 min 55 s
